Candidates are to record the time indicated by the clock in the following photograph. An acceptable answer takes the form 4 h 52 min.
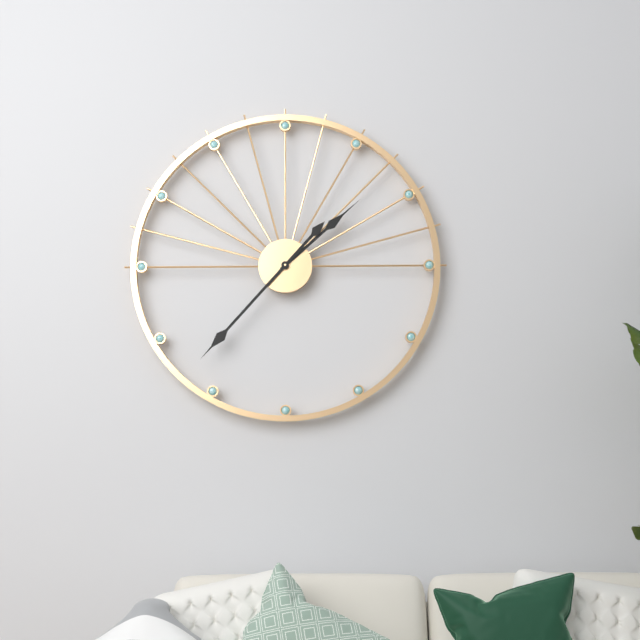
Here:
1 h 37 min
